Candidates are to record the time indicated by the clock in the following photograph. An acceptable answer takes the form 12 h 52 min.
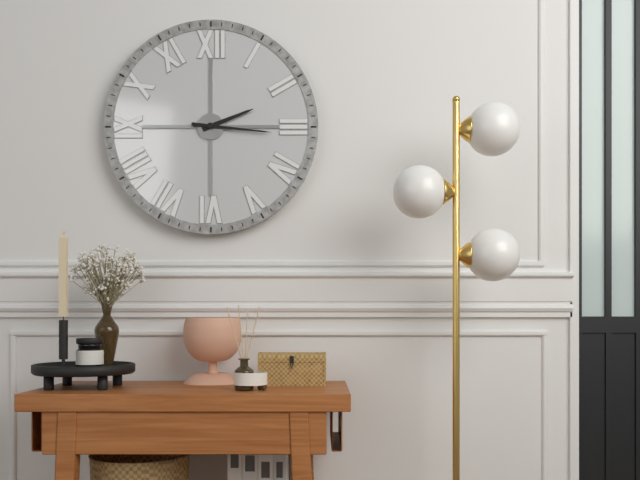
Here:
2 h 16 min
